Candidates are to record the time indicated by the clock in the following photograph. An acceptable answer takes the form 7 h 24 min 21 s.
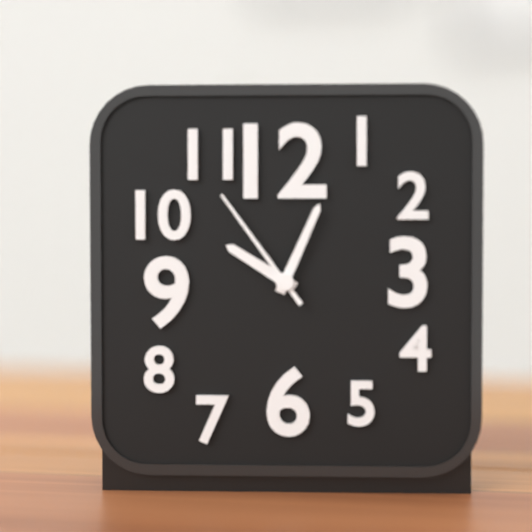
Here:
10 h 04 min 54 s
